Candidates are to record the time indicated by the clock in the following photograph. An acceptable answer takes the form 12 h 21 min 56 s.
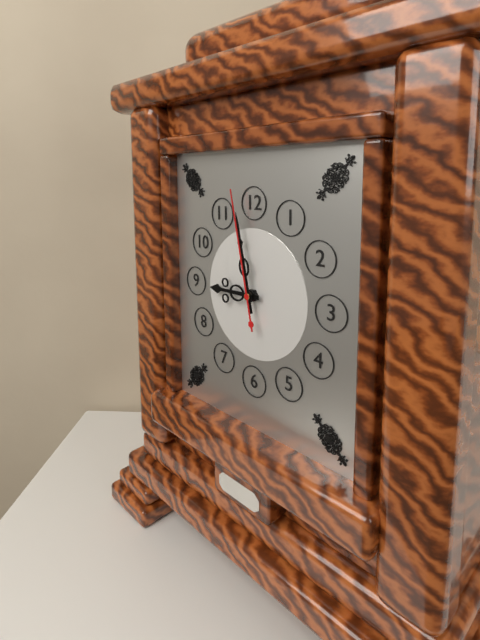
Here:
8 h 58 min 58 s
